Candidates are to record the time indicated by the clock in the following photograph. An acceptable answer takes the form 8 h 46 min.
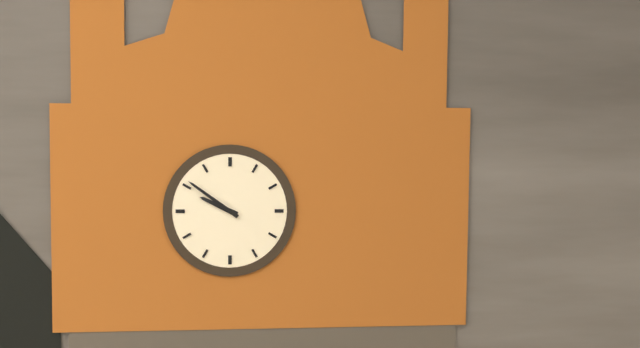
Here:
9 h 51 min
